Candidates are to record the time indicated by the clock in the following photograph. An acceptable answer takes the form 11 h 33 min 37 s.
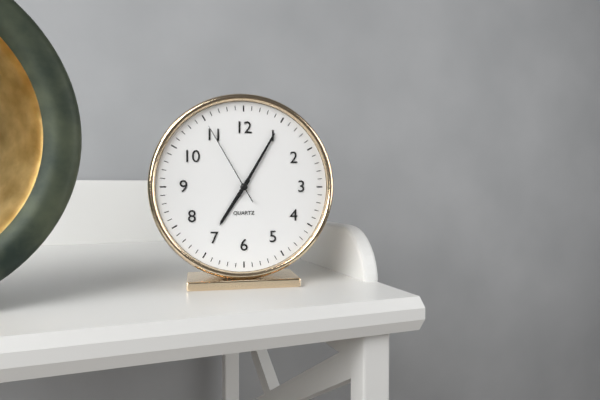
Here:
7 h 05 min 55 s
